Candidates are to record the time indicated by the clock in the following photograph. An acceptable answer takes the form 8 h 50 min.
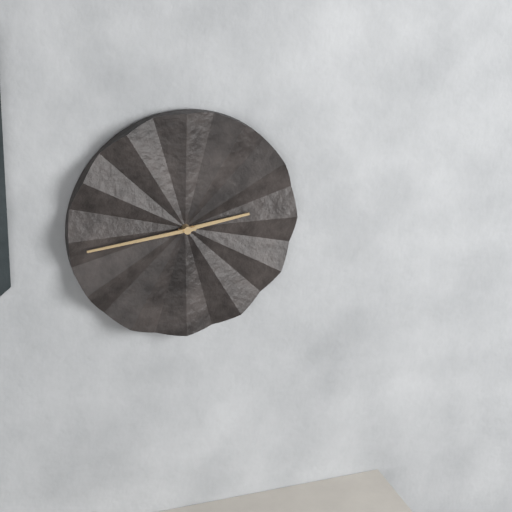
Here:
2 h 44 min
